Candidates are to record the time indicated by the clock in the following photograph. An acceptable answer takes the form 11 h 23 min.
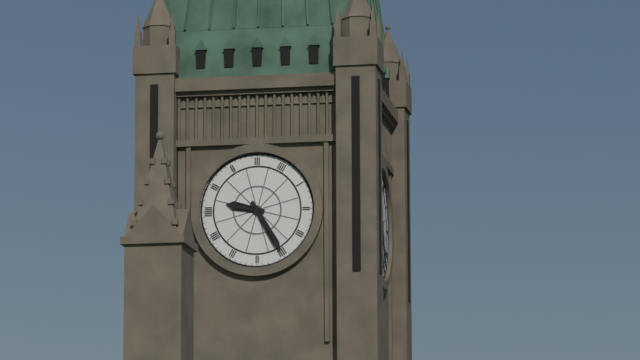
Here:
9 h 25 min
